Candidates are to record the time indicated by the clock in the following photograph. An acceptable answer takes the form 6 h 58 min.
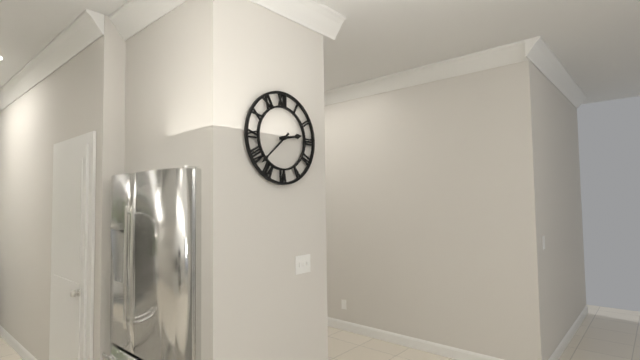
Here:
2 h 38 min
